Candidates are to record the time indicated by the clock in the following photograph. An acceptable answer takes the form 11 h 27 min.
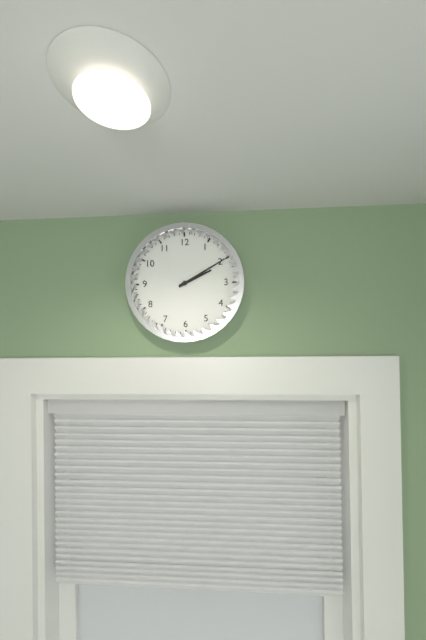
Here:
2 h 10 min
